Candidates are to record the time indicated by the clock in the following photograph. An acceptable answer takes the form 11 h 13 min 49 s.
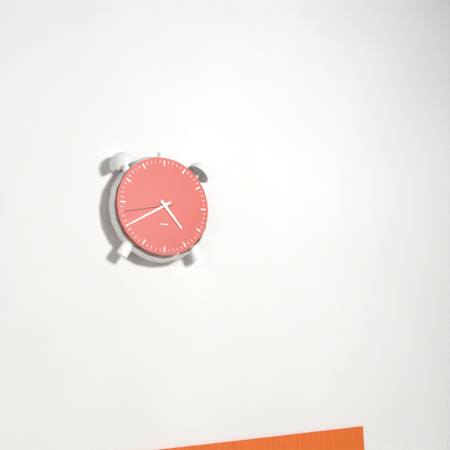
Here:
4 h 40 min 43 s
